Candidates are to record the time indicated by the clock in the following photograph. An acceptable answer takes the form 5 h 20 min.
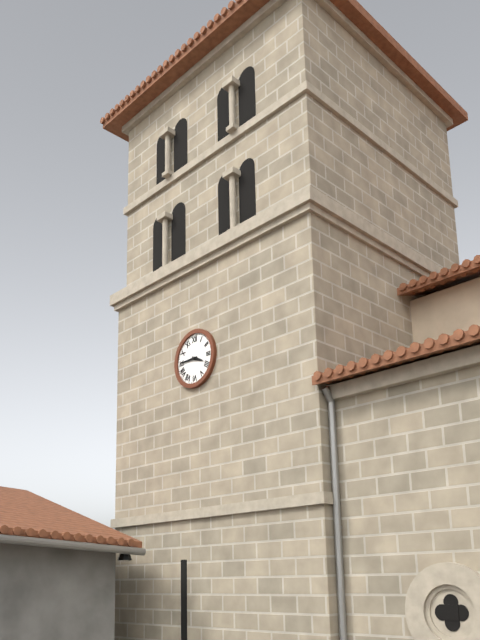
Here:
3 h 45 min
